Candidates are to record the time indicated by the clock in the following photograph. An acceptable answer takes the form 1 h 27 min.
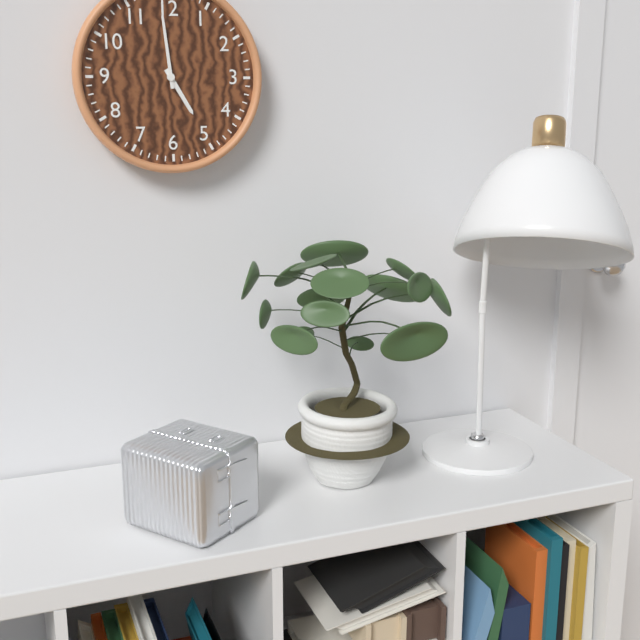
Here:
4 h 59 min
